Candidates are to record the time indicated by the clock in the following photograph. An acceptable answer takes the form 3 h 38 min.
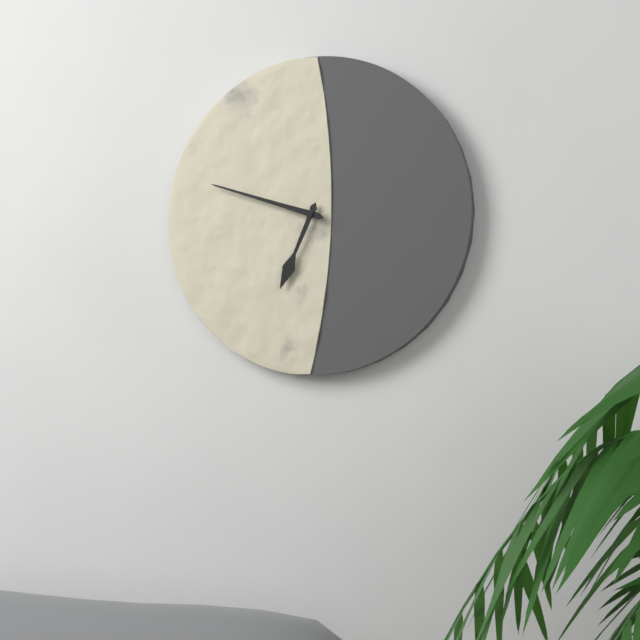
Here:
6 h 48 min
